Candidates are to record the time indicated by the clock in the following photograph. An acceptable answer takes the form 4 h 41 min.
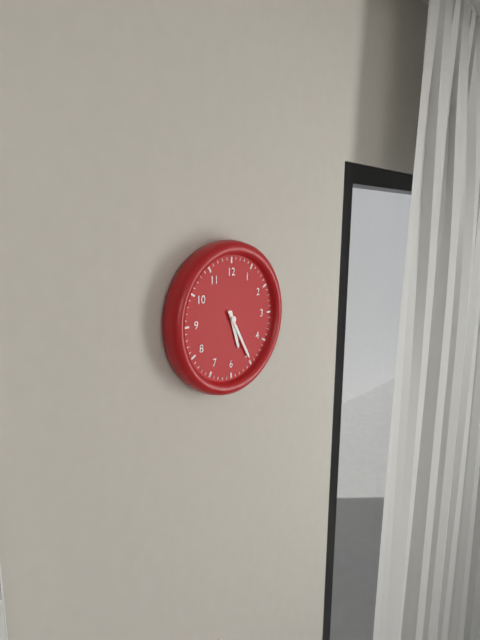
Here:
5 h 25 min
